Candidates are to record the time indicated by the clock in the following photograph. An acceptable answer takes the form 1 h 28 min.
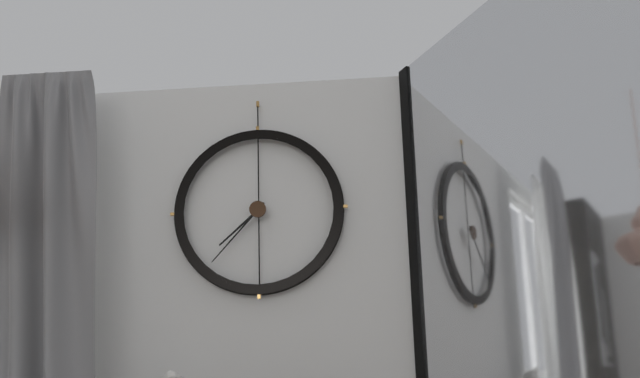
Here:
7 h 37 min
